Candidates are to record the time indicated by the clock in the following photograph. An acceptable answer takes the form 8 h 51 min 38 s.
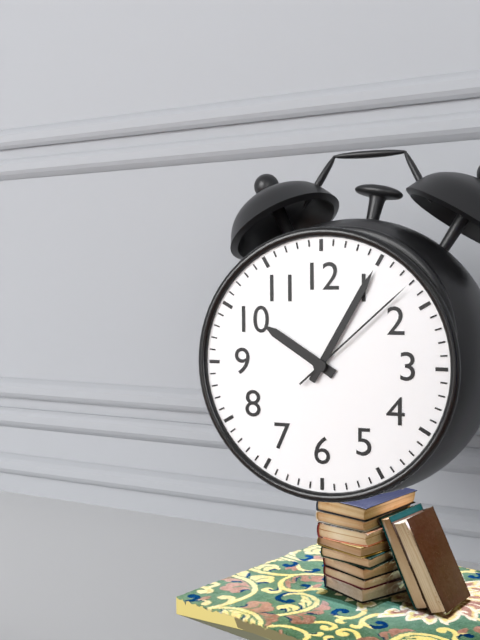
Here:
10 h 05 min 08 s
